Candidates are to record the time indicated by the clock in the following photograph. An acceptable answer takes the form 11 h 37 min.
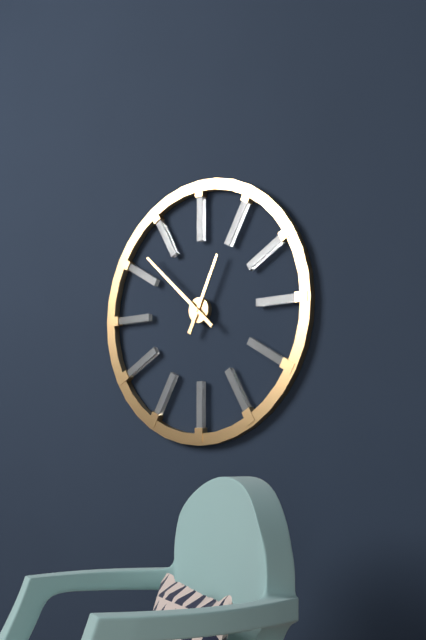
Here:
12 h 52 min
